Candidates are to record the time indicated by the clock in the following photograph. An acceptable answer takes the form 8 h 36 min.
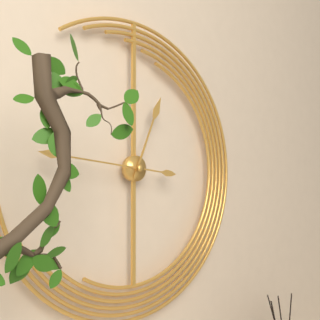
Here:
12 h 46 min
